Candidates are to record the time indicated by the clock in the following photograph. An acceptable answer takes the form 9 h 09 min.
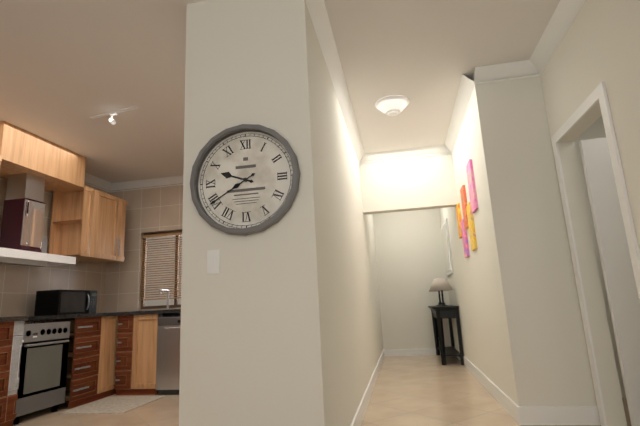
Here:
9 h 40 min
